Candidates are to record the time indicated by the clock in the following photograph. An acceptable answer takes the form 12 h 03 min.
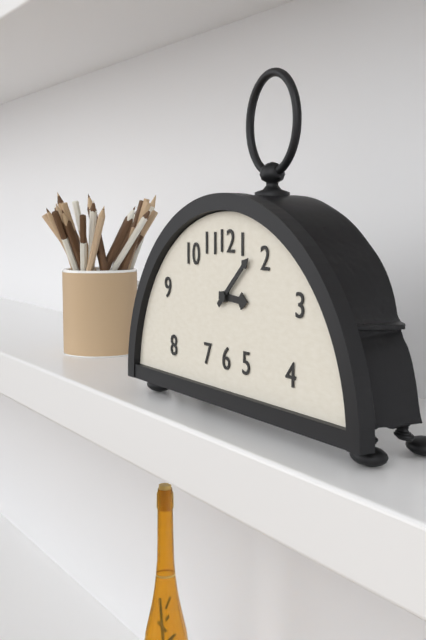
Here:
3 h 08 min
